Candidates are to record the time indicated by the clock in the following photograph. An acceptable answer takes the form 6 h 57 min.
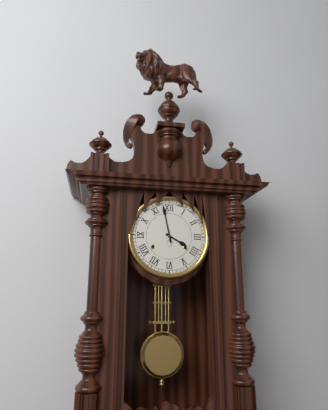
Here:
3 h 58 min
